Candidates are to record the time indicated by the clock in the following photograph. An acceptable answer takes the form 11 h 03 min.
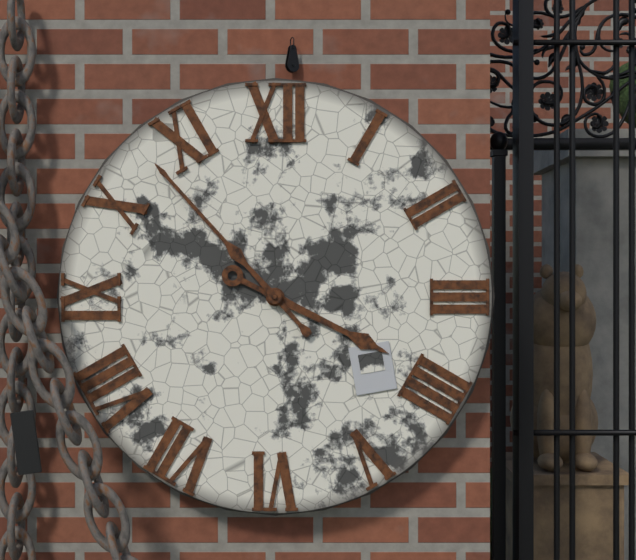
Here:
3 h 53 min
